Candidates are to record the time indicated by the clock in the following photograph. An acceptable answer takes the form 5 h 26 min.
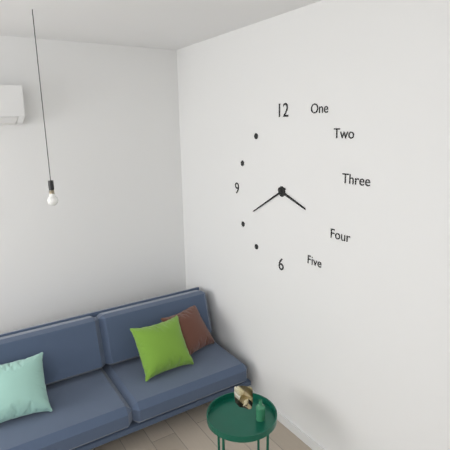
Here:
3 h 40 min
